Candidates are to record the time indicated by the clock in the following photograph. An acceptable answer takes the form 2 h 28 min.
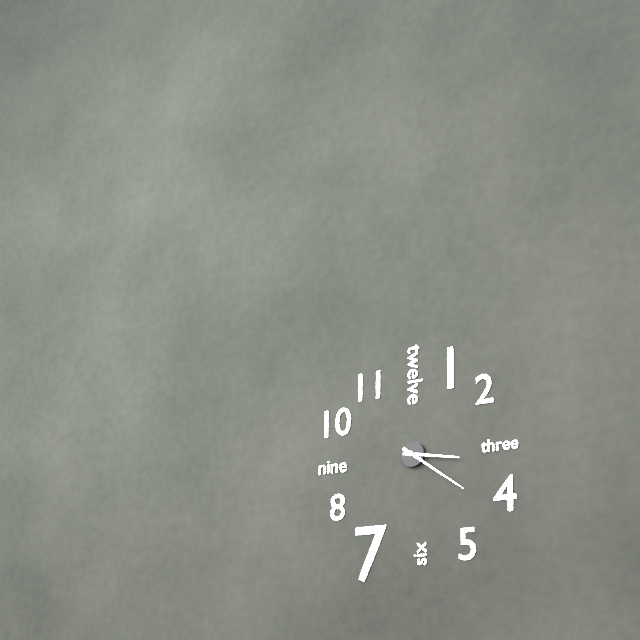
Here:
3 h 21 min
